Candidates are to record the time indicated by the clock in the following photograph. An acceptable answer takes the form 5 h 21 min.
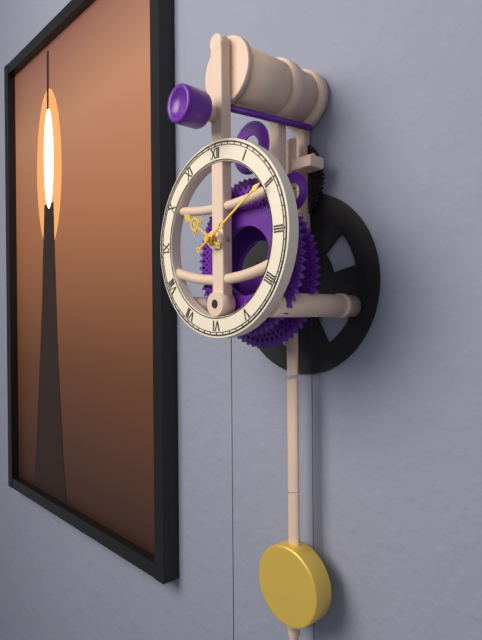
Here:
10 h 10 min
